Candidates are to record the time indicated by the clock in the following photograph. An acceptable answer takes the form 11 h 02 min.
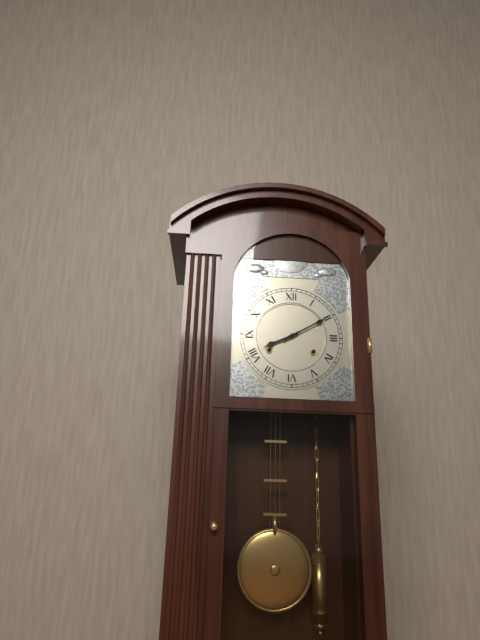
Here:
8 h 10 min
